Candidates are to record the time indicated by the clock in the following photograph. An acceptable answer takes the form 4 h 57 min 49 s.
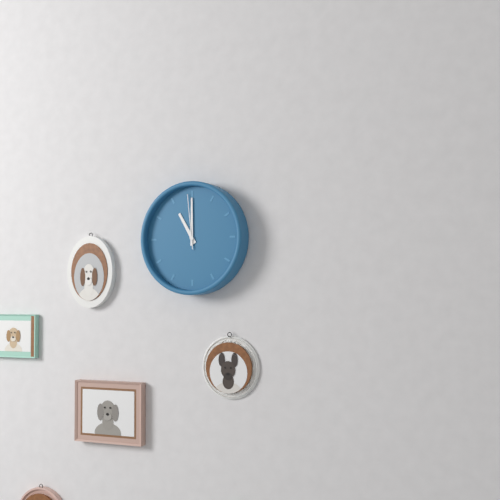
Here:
11 h 00 min 59 s
